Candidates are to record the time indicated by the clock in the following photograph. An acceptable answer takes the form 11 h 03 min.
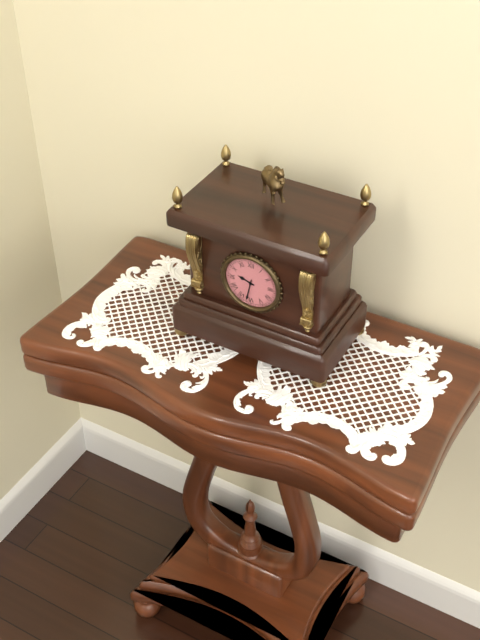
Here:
9 h 32 min
